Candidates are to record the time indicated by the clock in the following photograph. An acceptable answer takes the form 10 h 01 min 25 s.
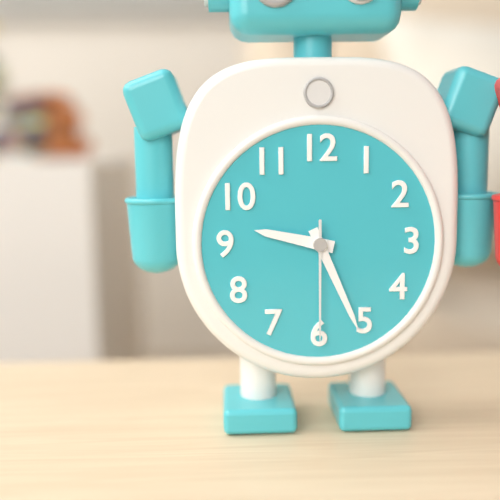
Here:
9 h 26 min 30 s
